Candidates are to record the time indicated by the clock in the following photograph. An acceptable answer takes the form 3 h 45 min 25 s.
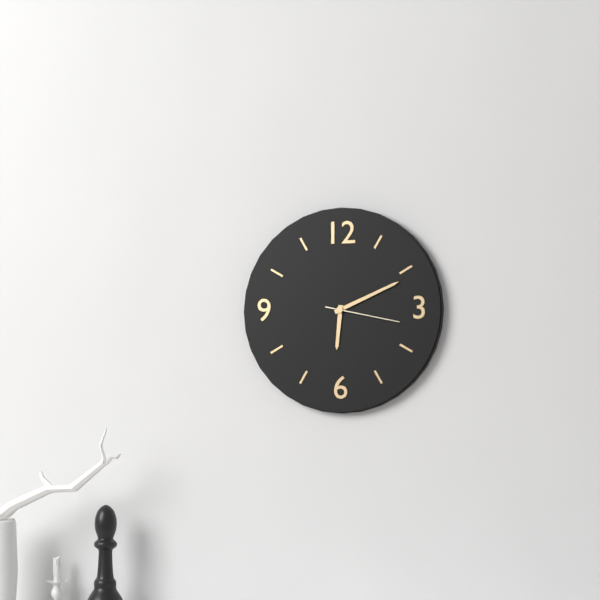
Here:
6 h 11 min 17 s
